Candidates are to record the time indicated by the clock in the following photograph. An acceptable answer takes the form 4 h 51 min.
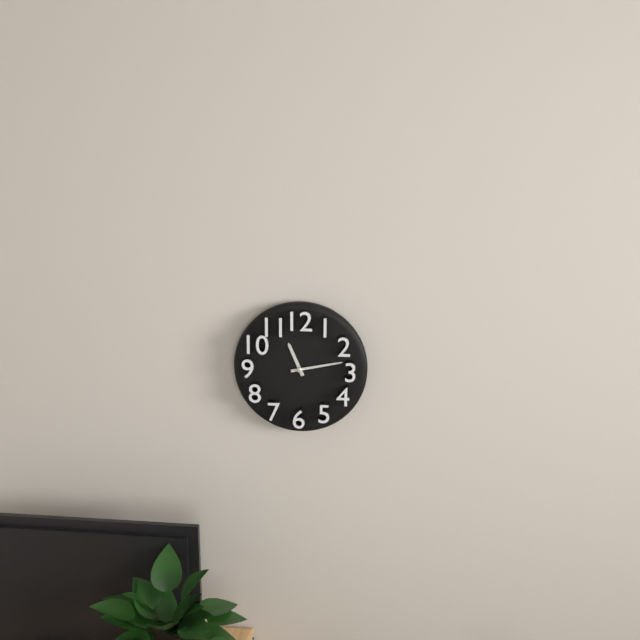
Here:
11 h 13 min
